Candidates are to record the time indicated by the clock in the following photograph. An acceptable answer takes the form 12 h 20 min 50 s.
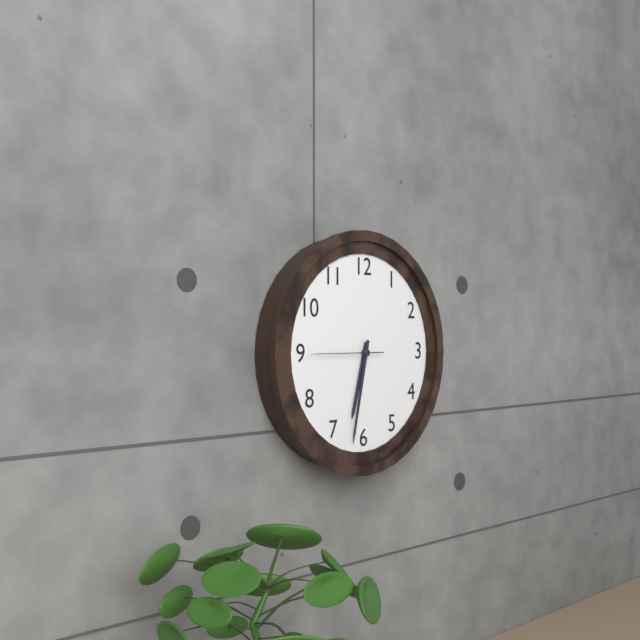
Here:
6 h 32 min 45 s
